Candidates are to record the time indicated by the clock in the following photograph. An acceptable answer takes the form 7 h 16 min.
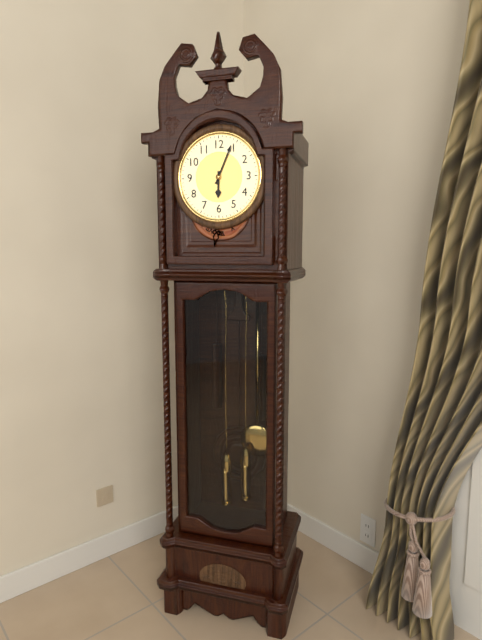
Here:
6 h 04 min
